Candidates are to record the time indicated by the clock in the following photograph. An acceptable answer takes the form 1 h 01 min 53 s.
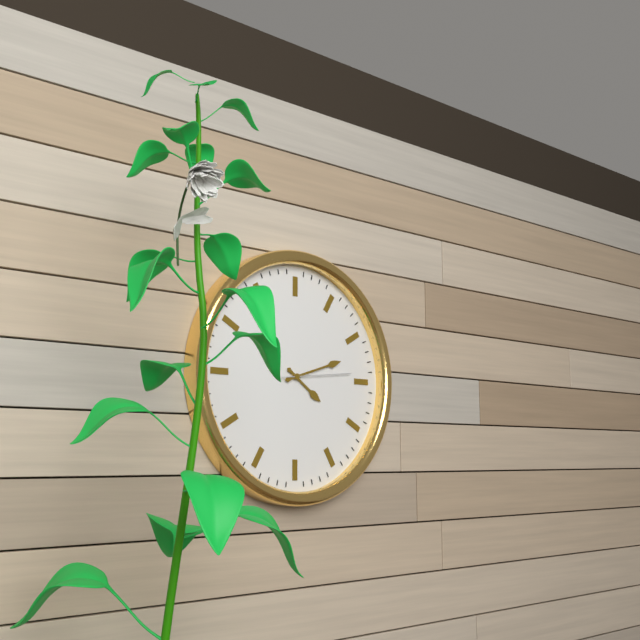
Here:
4 h 12 min 14 s
